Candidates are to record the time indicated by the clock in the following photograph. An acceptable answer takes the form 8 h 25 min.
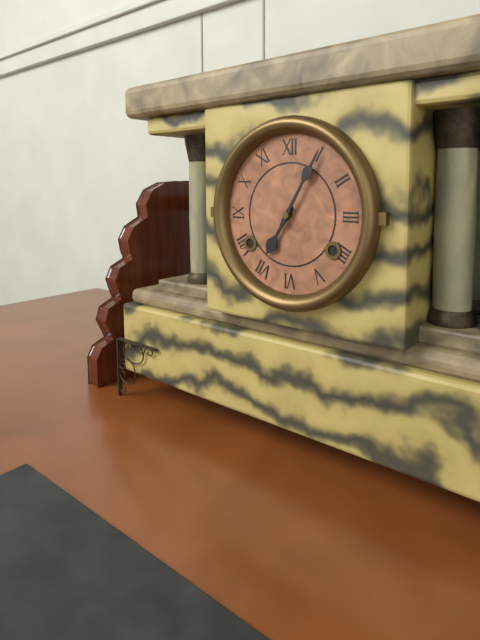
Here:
7 h 05 min
